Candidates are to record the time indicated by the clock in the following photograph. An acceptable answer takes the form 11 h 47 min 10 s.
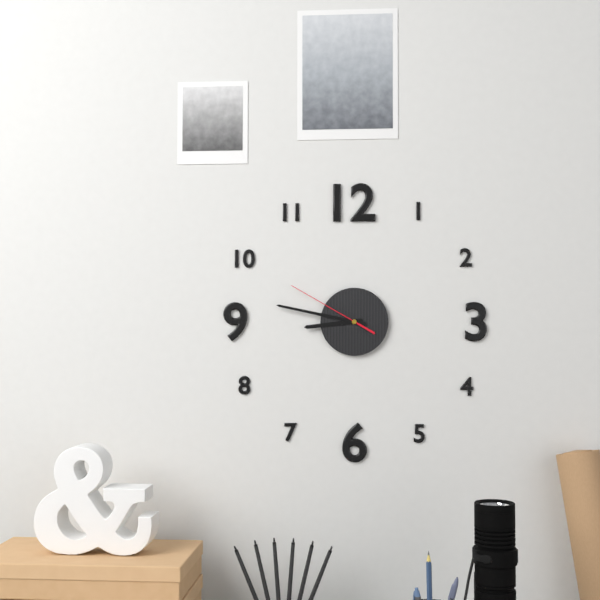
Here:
8 h 47 min 50 s
